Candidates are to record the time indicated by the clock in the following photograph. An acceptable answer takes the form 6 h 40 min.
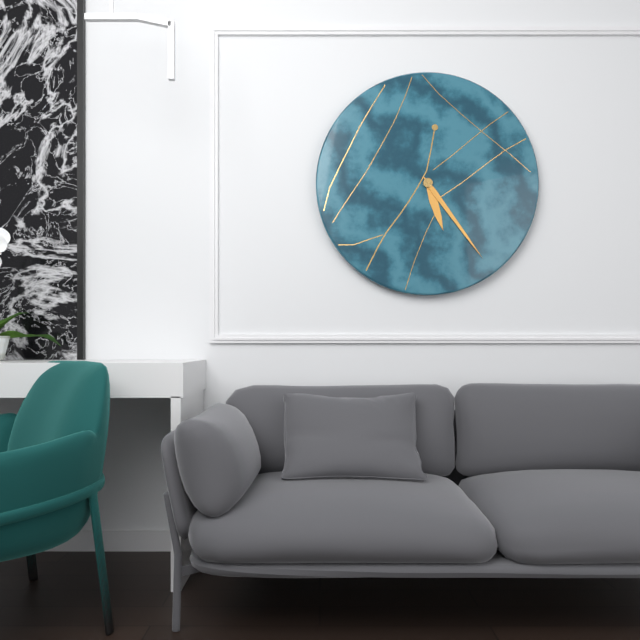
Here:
5 h 24 min
